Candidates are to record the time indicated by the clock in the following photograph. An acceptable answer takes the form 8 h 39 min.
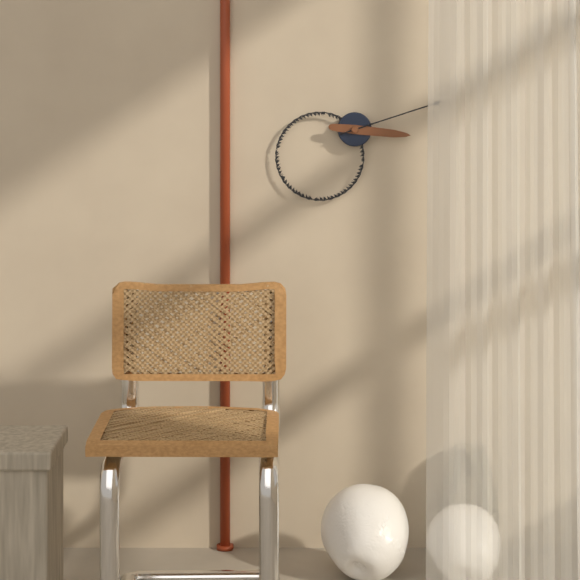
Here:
3 h 12 min
